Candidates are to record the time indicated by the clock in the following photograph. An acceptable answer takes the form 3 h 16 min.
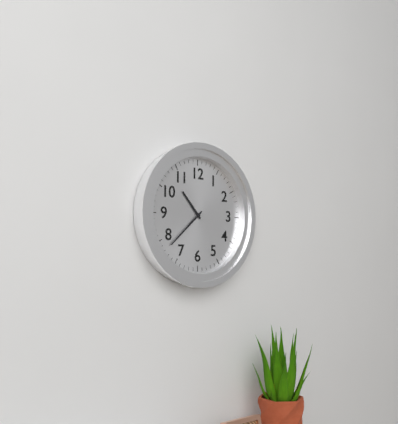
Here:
10 h 38 min
